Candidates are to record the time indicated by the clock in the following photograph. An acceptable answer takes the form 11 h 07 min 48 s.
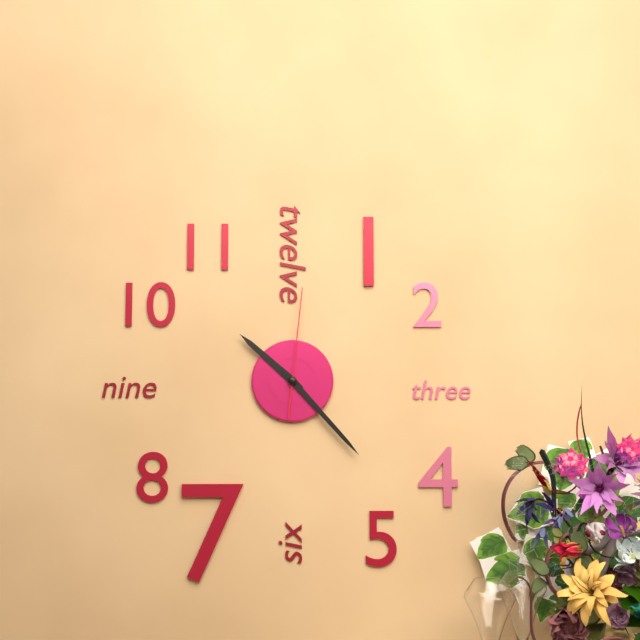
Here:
10 h 23 min 01 s
